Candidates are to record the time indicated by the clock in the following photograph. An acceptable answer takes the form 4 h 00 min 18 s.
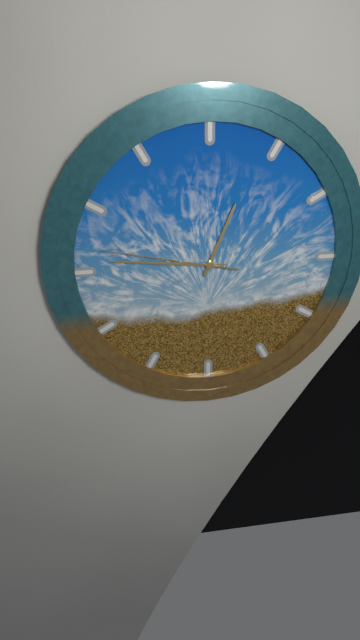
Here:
12 h 46 min 47 s
